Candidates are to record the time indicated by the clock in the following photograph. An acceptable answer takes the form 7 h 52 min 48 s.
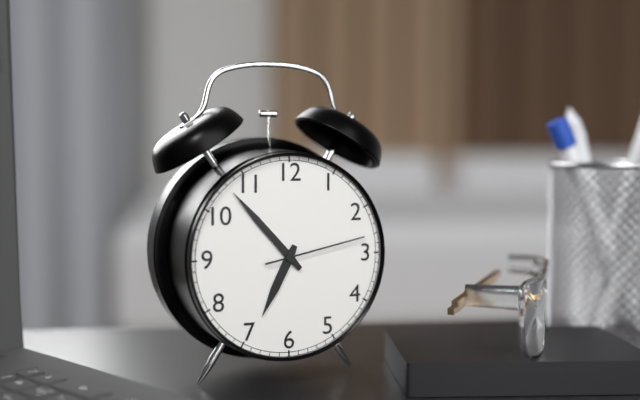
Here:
6 h 53 min 13 s
